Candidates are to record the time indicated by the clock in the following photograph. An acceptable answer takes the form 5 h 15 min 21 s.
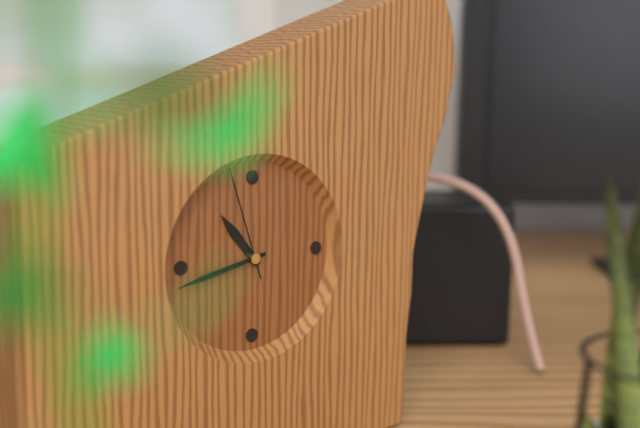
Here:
10 h 43 min 57 s
